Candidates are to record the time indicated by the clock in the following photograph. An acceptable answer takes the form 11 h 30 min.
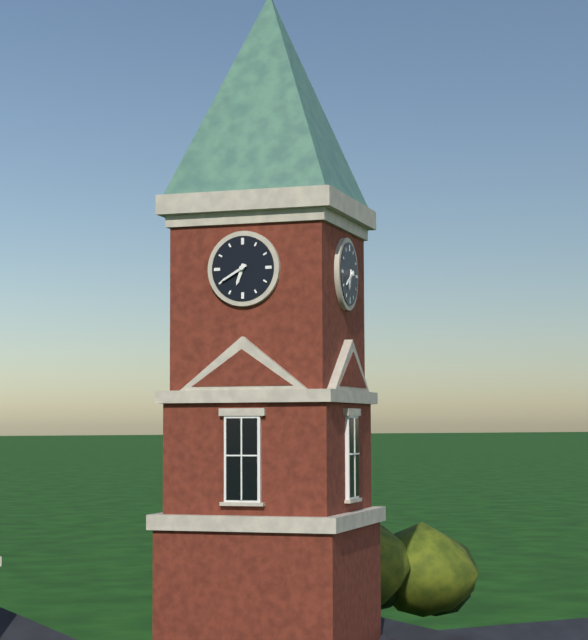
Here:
6 h 40 min
